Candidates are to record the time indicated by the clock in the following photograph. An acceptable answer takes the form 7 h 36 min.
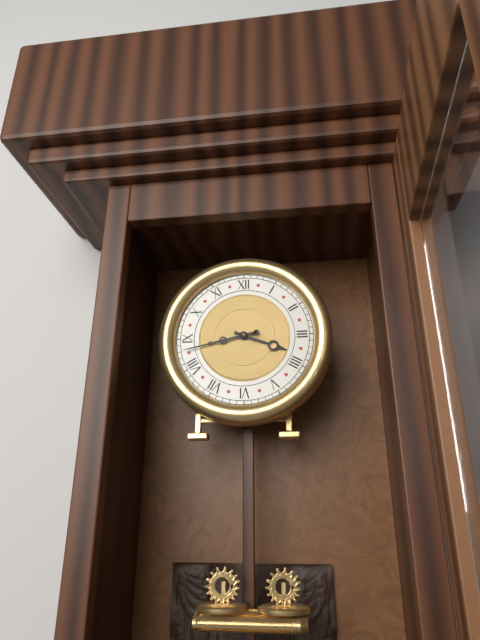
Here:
3 h 43 min
